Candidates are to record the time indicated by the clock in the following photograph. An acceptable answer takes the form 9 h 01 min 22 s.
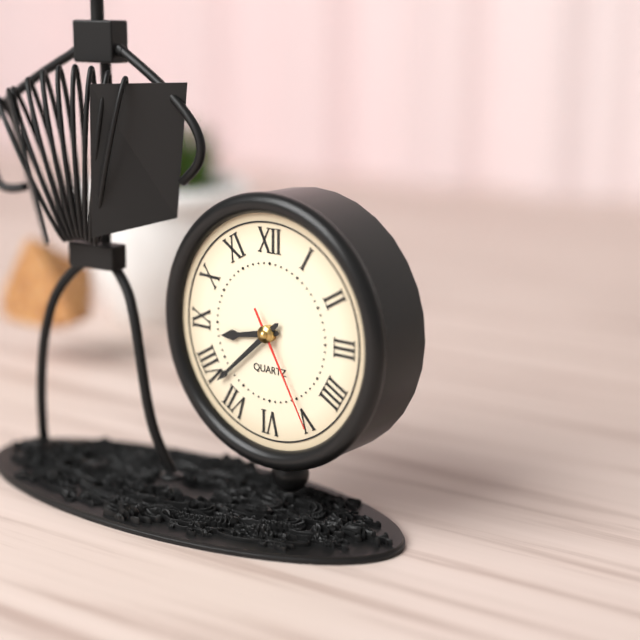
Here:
8 h 38 min 25 s
